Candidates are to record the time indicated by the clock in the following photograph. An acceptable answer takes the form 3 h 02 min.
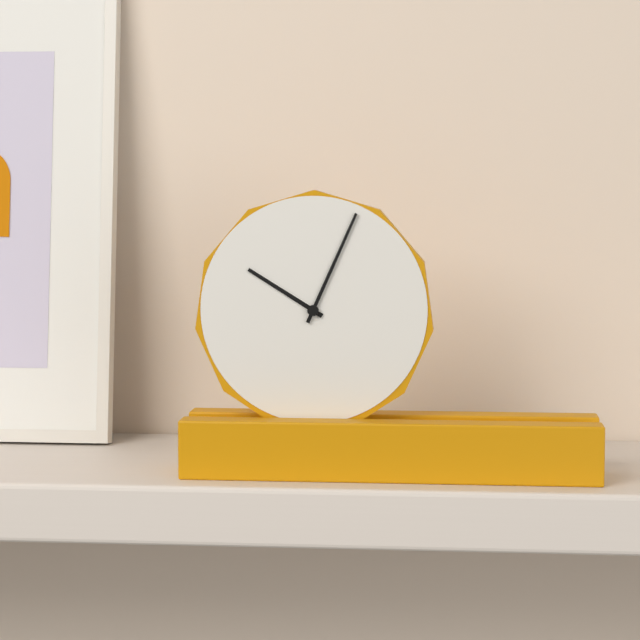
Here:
10 h 04 min
